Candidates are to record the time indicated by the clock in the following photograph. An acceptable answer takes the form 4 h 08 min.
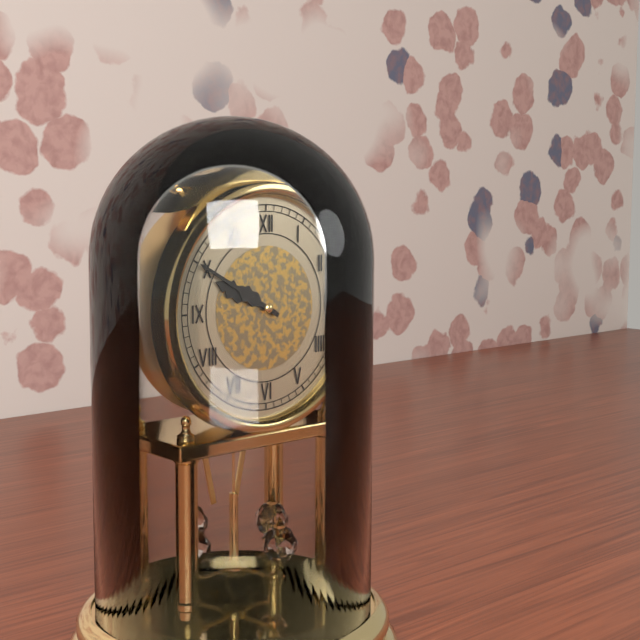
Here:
9 h 50 min
